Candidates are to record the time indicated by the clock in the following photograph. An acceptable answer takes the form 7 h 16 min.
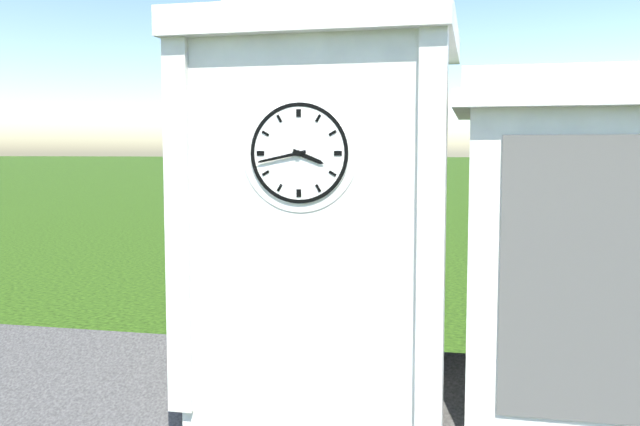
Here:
3 h 43 min
